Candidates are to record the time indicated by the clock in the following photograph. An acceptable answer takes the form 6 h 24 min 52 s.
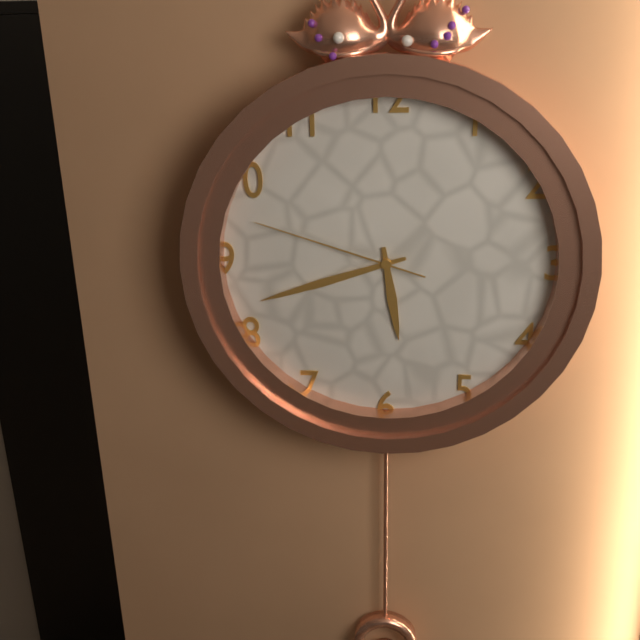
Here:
5 h 42 min 48 s
